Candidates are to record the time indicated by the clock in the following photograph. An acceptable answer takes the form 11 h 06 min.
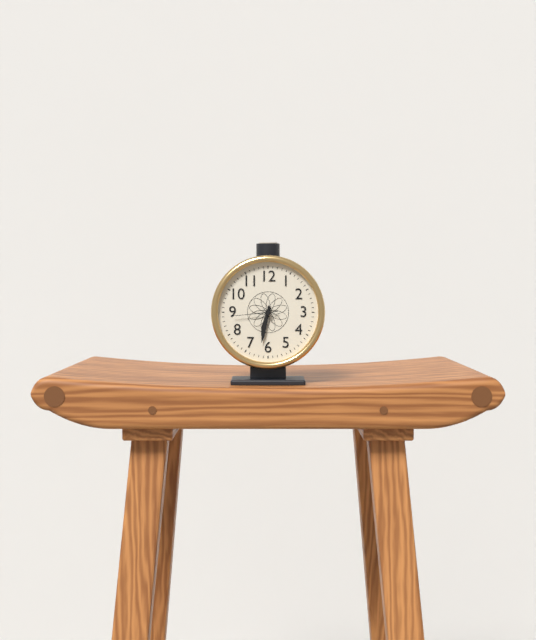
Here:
6 h 32 min
